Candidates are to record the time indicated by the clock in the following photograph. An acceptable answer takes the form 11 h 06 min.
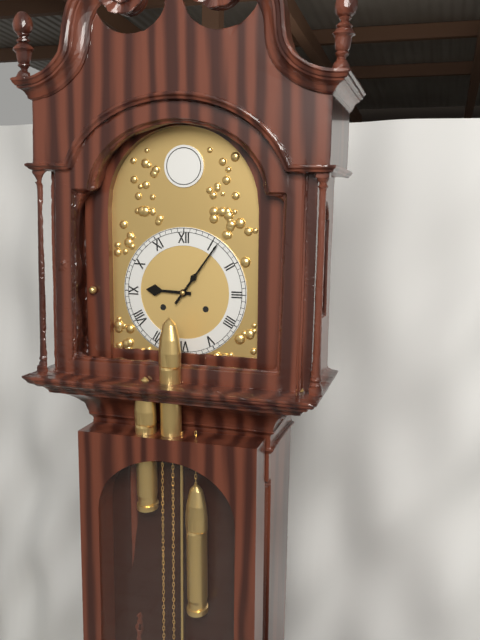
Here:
9 h 06 min
